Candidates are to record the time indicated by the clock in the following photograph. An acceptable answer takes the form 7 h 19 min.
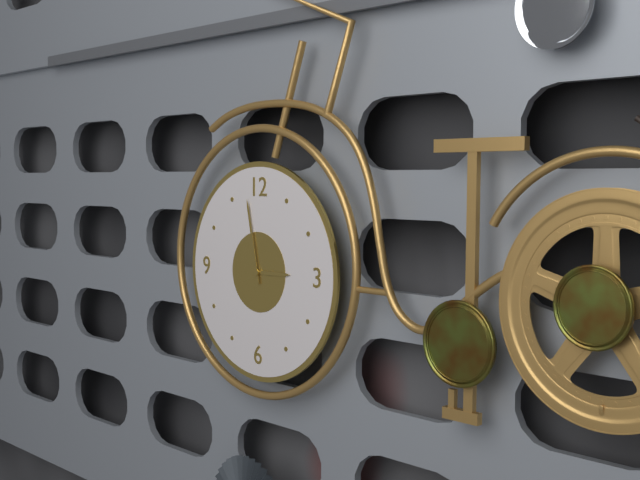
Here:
2 h 58 min
